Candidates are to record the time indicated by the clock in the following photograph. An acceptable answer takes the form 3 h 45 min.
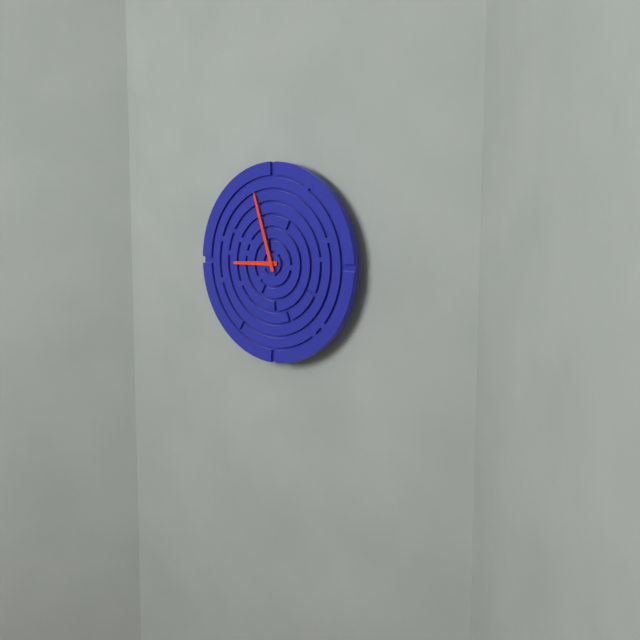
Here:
8 h 57 min
